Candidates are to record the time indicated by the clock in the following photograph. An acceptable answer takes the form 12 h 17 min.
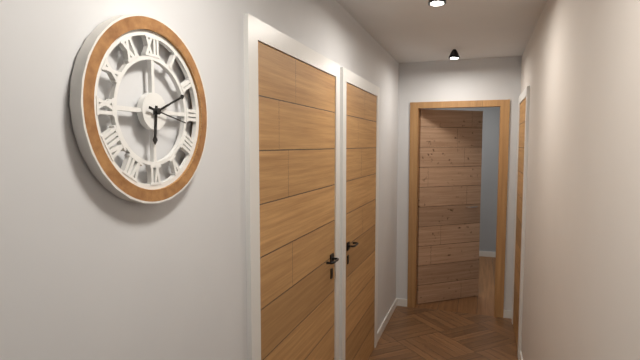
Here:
6 h 11 min
